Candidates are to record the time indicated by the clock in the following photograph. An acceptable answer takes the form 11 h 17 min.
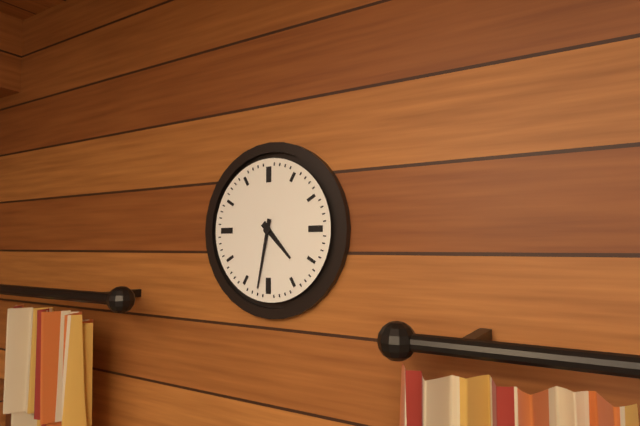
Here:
4 h 32 min
